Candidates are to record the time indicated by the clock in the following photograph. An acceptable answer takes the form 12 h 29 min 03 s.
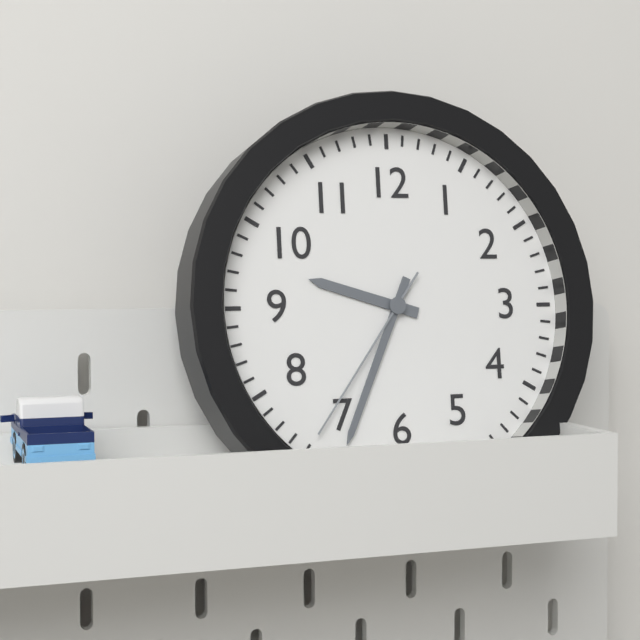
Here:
9 h 34 min 36 s
